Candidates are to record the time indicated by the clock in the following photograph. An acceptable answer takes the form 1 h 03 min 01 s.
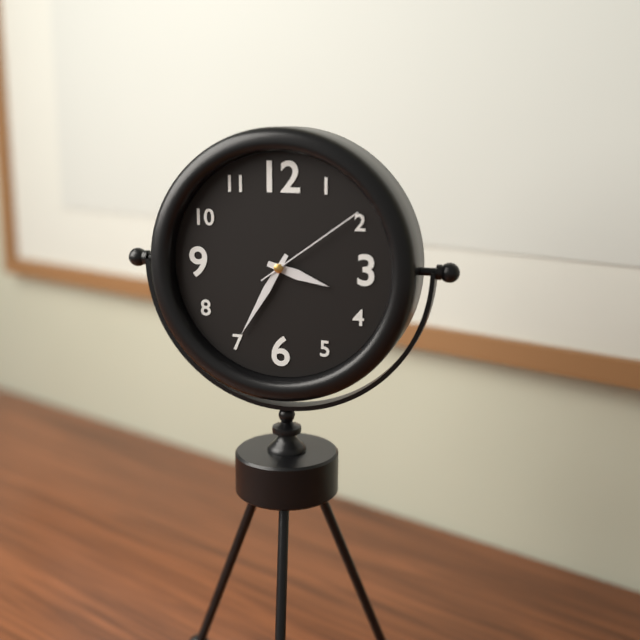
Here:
3 h 35 min 09 s
